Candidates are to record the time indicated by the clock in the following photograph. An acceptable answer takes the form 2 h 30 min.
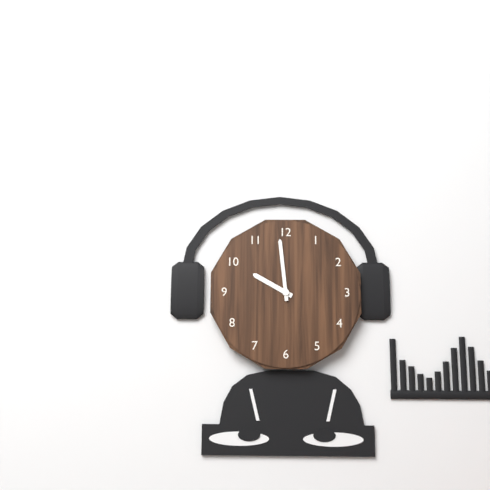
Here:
9 h 59 min
